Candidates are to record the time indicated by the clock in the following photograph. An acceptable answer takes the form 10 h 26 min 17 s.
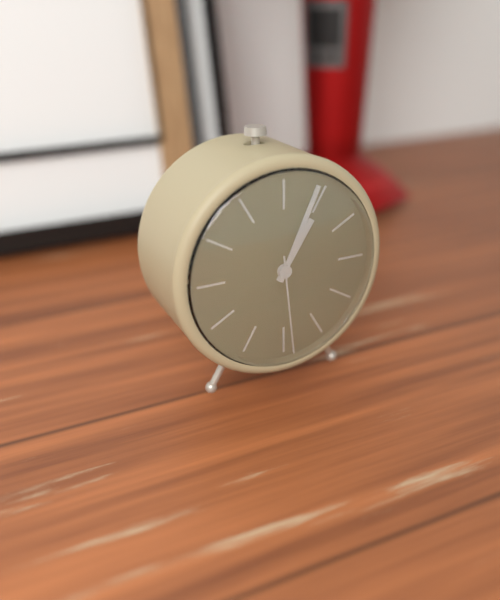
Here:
1 h 04 min 29 s
